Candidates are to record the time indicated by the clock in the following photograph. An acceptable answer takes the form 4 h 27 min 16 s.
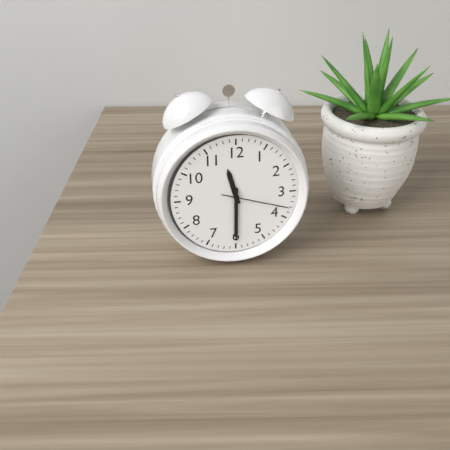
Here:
11 h 30 min 18 s
